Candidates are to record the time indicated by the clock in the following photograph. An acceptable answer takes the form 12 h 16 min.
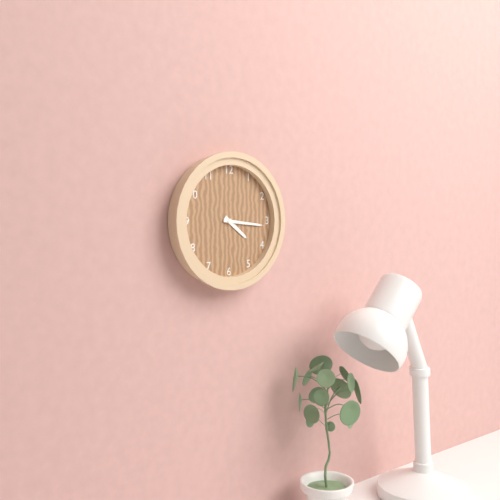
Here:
4 h 16 min
